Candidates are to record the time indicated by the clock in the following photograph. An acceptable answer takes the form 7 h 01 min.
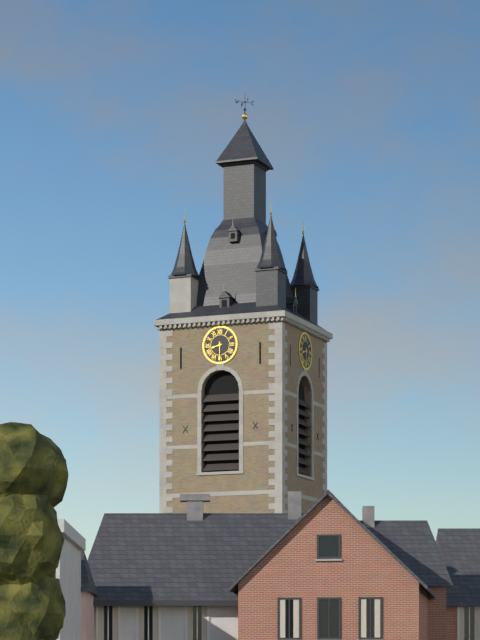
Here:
8 h 30 min
